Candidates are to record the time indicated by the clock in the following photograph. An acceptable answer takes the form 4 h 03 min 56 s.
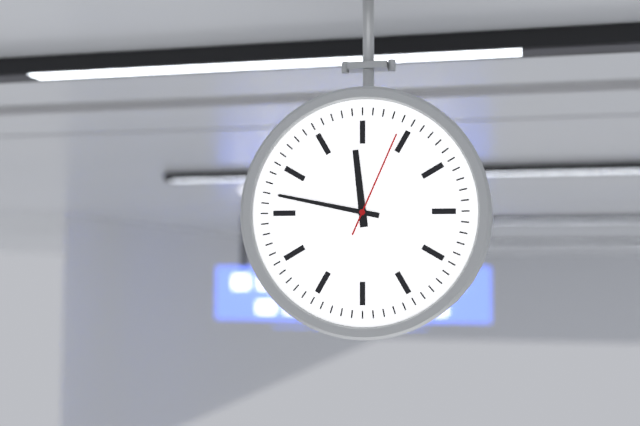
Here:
11 h 47 min 04 s
